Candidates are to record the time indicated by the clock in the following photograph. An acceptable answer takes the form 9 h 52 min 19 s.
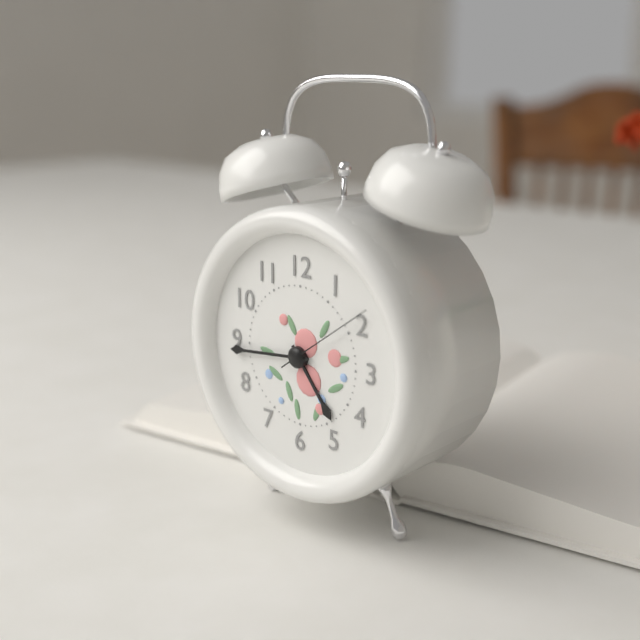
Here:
4 h 44 min 09 s
